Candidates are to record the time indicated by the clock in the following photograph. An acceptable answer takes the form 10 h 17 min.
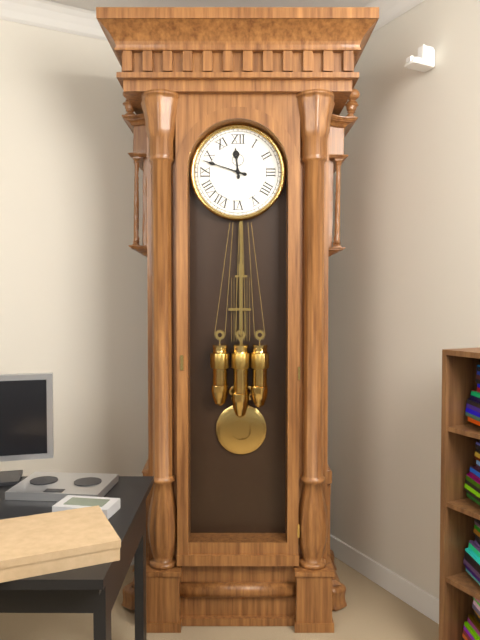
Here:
11 h 48 min
